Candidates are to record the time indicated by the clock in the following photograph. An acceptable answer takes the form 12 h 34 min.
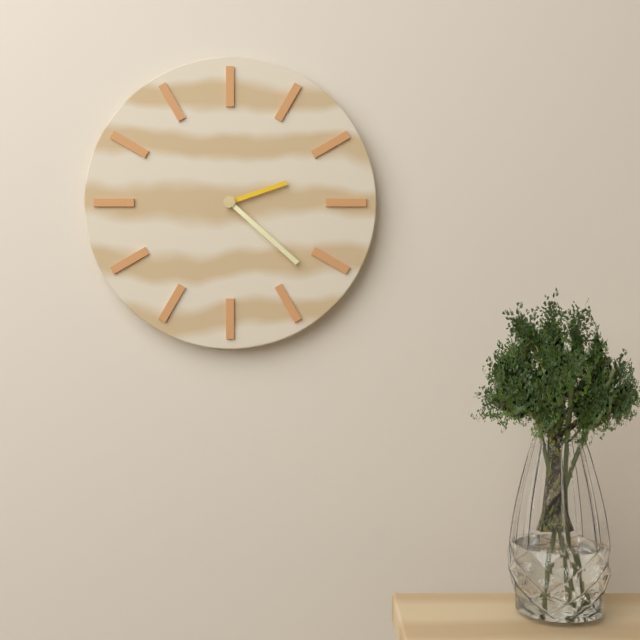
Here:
2 h 22 min
